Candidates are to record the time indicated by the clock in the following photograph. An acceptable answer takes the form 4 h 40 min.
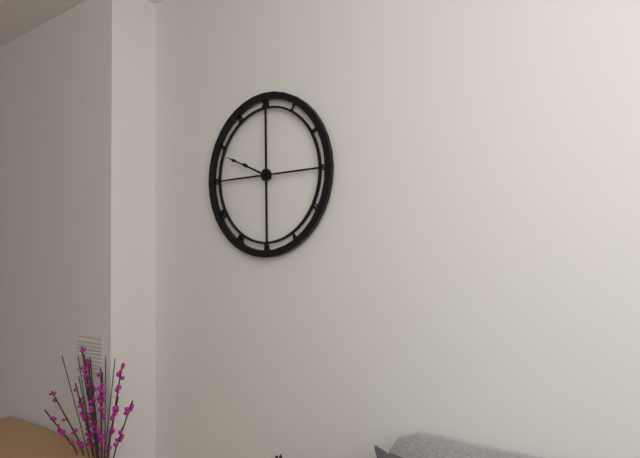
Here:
9 h 49 min
